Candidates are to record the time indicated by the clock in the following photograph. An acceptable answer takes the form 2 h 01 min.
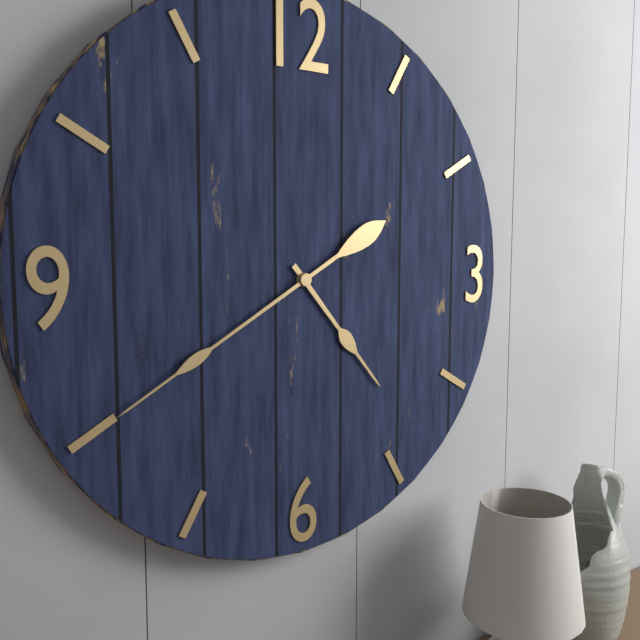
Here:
4 h 40 min
